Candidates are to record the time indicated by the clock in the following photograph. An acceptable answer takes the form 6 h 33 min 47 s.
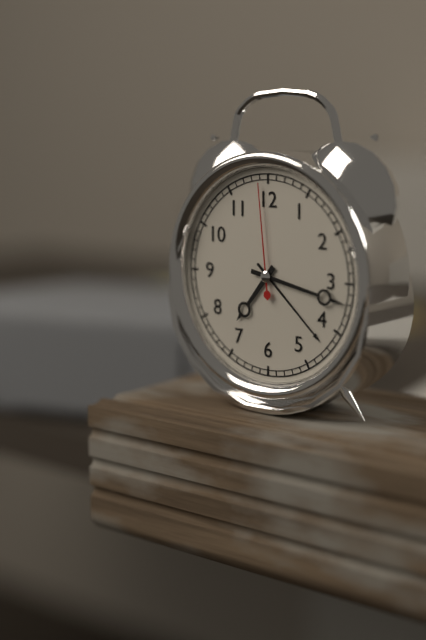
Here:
7 h 17 min 59 s
